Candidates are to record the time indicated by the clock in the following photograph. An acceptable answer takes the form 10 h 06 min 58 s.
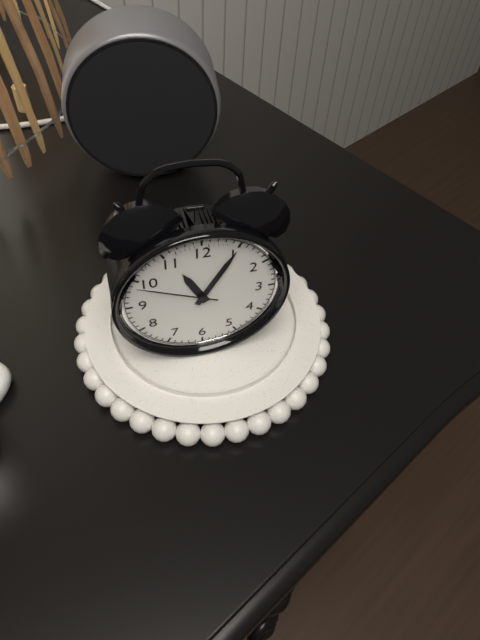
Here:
11 h 05 min 49 s
